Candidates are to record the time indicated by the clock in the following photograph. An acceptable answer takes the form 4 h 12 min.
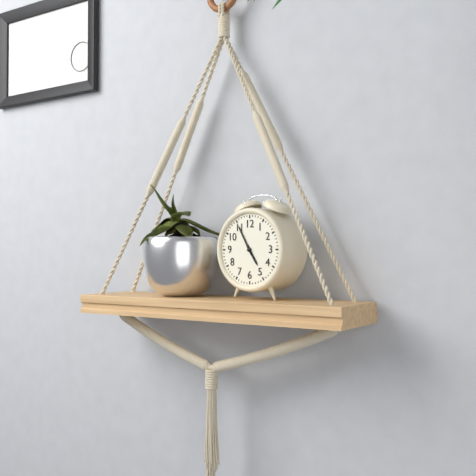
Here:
4 h 55 min
